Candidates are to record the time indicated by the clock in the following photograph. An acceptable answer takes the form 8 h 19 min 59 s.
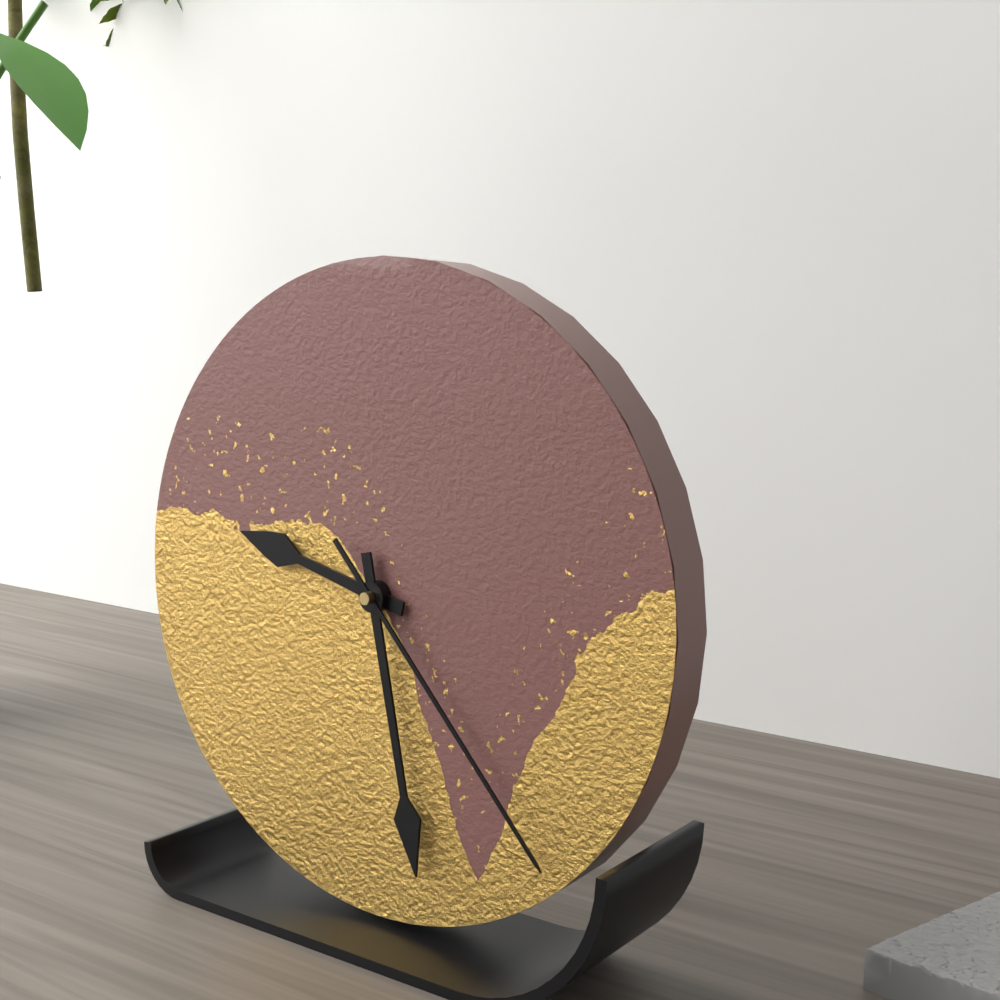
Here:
9 h 28 min 23 s
